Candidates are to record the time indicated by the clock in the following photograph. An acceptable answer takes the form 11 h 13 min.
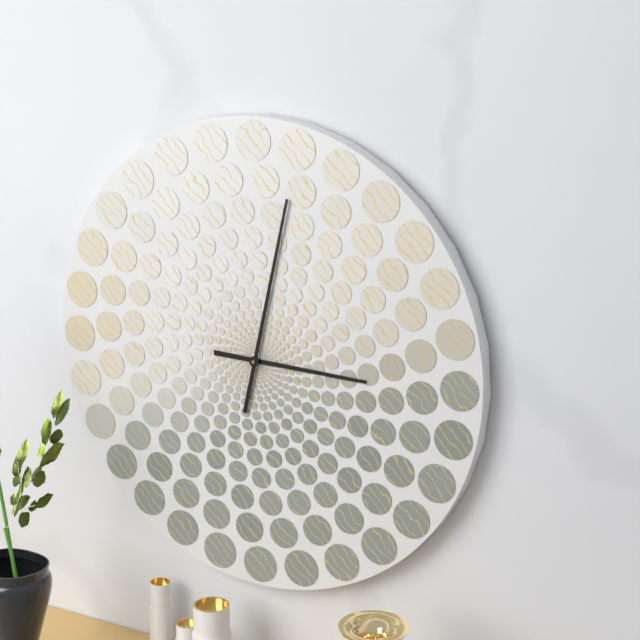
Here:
3 h 02 min
